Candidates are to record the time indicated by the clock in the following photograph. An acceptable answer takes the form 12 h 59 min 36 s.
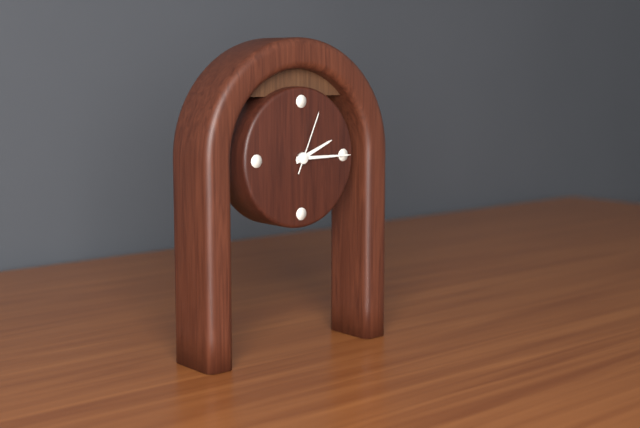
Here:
2 h 15 min 04 s
